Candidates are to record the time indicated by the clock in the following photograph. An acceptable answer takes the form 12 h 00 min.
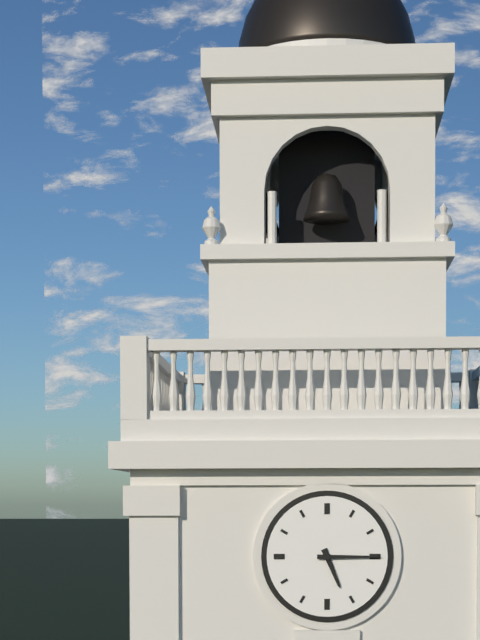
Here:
5 h 15 min
